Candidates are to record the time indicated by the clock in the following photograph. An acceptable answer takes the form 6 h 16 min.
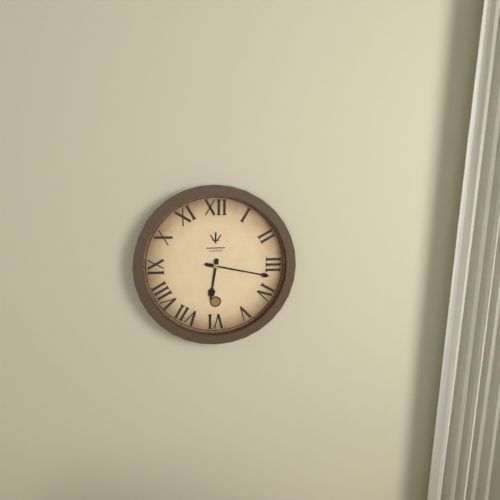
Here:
6 h 17 min
